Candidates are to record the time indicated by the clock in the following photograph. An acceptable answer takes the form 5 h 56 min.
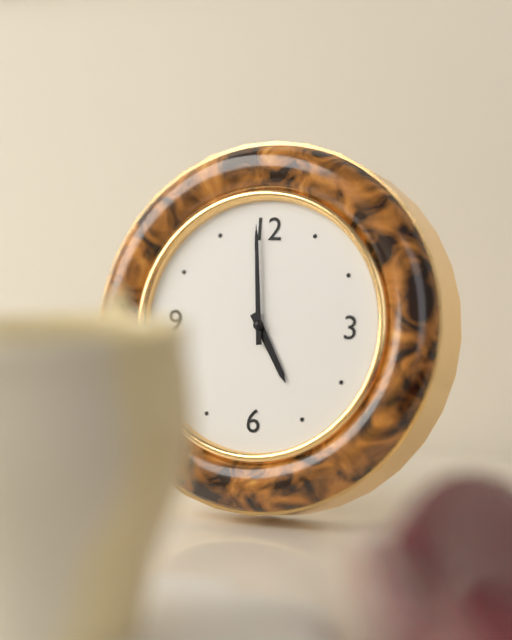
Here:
4 h 59 min
